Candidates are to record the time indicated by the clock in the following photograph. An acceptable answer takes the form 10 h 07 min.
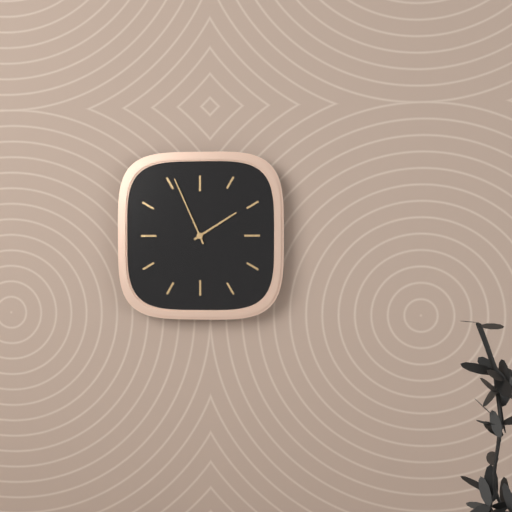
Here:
1 h 56 min
